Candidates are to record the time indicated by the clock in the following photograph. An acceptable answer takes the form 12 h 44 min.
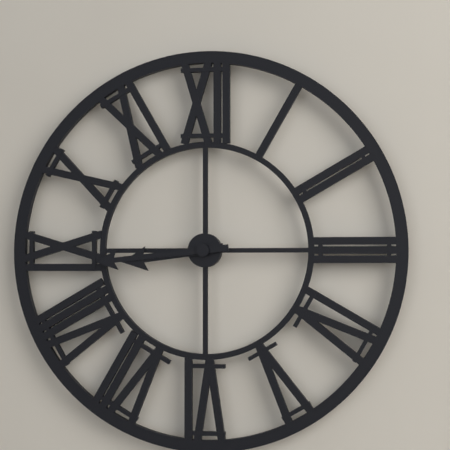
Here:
8 h 44 min
